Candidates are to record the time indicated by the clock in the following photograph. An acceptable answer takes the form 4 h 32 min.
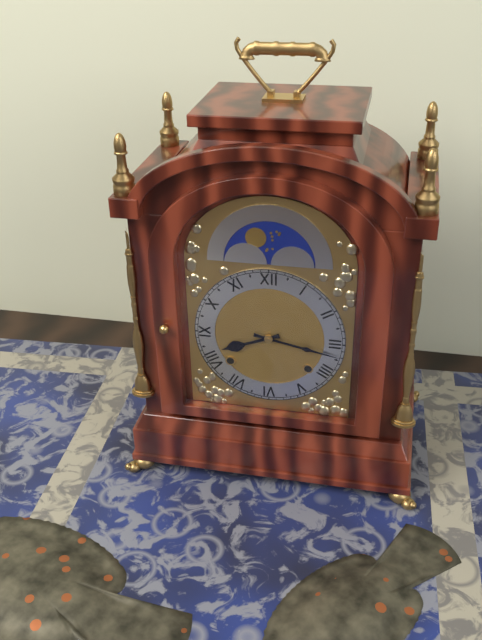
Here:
8 h 17 min
